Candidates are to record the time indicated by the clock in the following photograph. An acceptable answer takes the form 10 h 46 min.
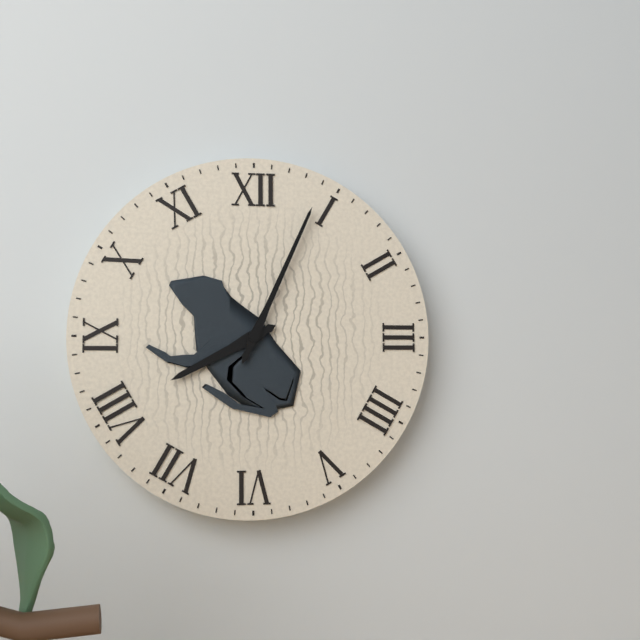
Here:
8 h 04 min
